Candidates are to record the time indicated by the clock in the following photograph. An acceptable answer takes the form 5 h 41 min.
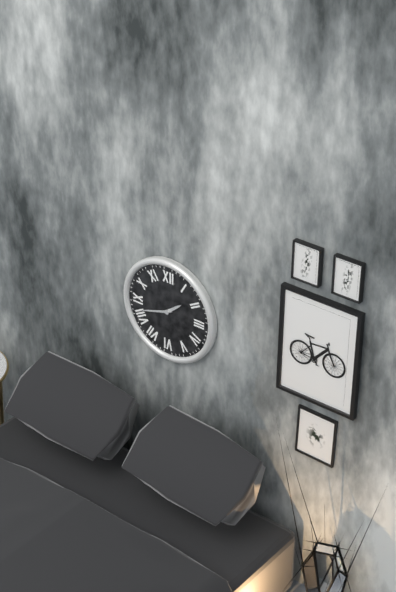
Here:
1 h 42 min
